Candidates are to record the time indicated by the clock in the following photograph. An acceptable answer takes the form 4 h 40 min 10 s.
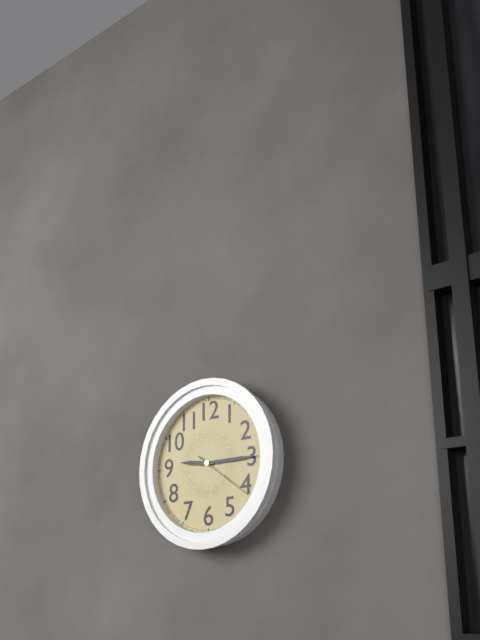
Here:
9 h 15 min 21 s
